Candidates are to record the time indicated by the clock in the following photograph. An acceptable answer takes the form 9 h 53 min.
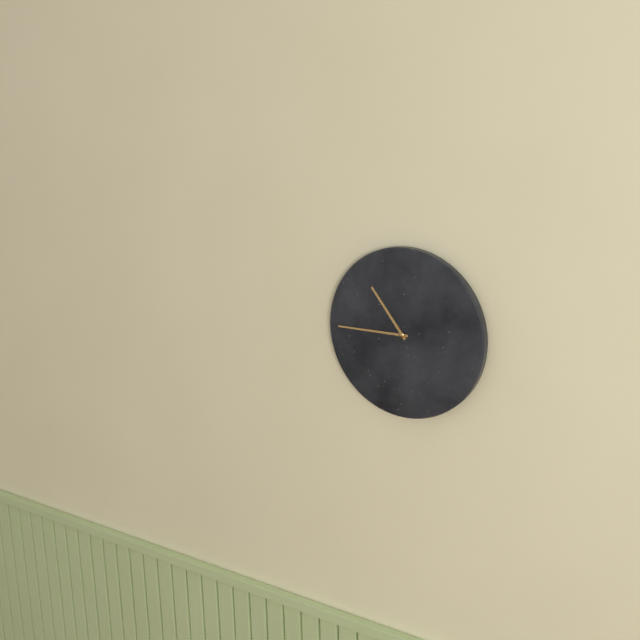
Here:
10 h 45 min
